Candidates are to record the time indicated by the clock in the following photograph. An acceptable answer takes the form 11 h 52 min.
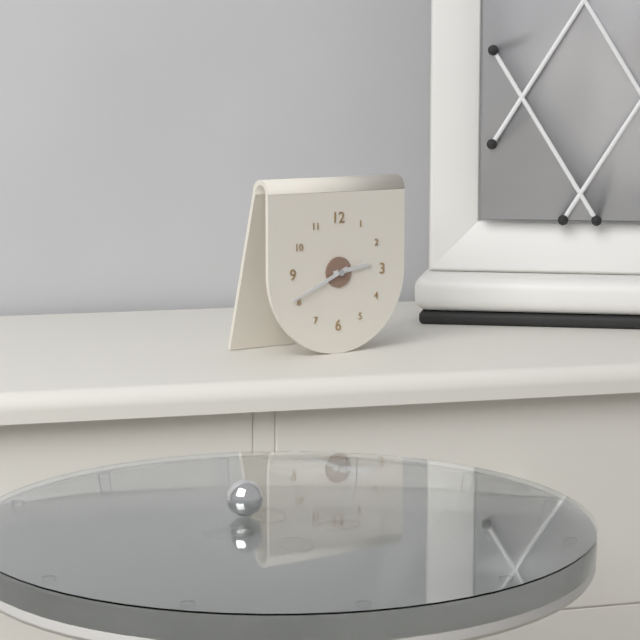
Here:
2 h 41 min
